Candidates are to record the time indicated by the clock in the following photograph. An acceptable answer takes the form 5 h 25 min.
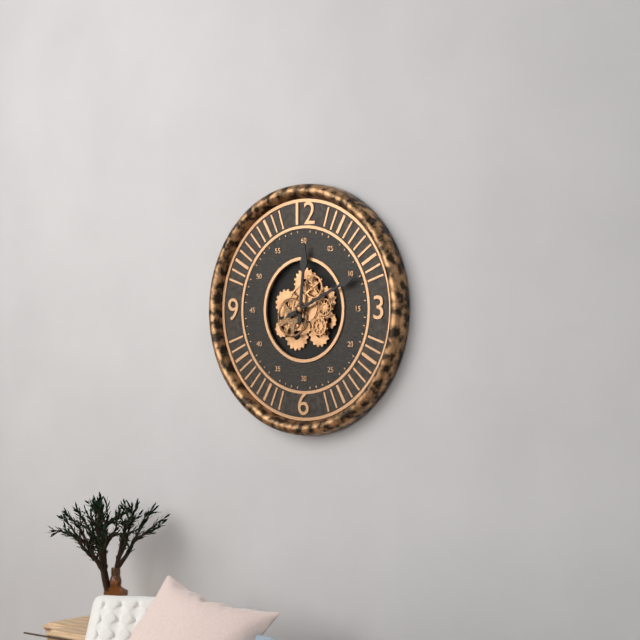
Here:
12 h 11 min
